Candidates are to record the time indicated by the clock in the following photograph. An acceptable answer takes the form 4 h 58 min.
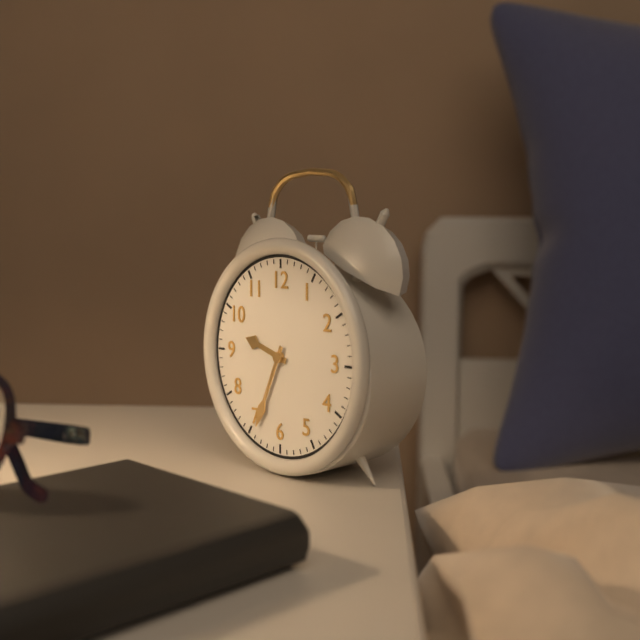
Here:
9 h 34 min
